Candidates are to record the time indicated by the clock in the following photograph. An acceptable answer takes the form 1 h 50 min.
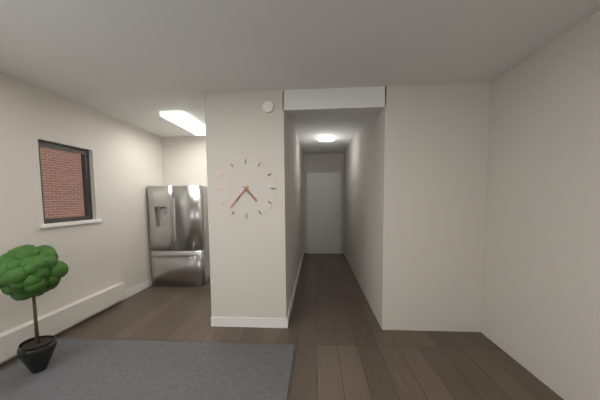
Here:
4 h 37 min
